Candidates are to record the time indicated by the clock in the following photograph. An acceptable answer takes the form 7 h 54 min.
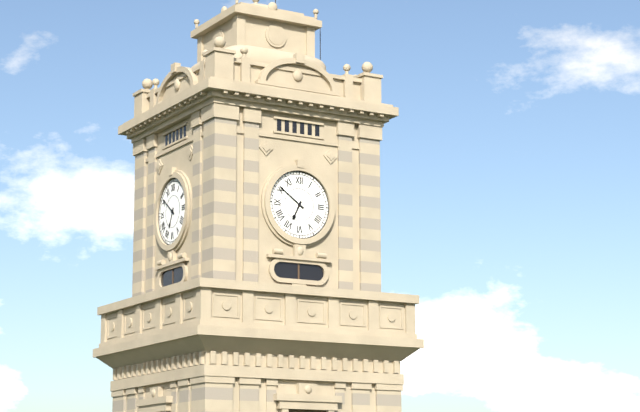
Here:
6 h 51 min
